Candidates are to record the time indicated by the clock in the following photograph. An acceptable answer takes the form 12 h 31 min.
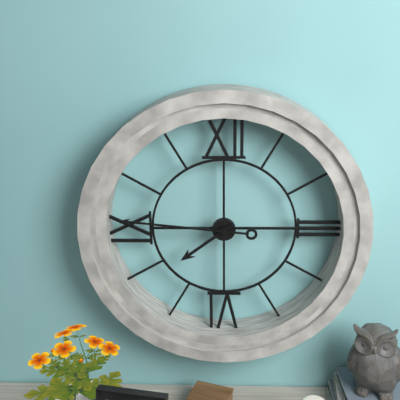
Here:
7 h 46 min
